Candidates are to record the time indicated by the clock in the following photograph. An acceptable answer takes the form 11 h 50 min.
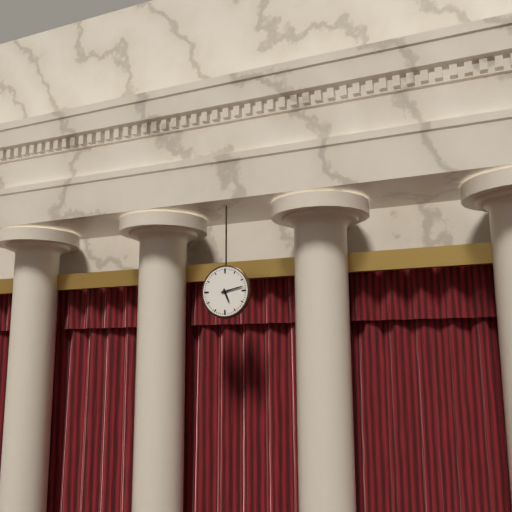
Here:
5 h 13 min
